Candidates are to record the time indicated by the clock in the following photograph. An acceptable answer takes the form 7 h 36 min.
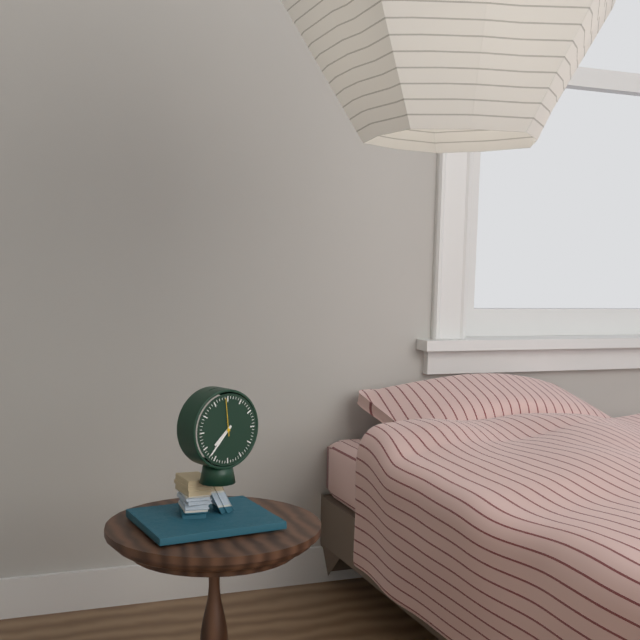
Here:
7 h 37 min
